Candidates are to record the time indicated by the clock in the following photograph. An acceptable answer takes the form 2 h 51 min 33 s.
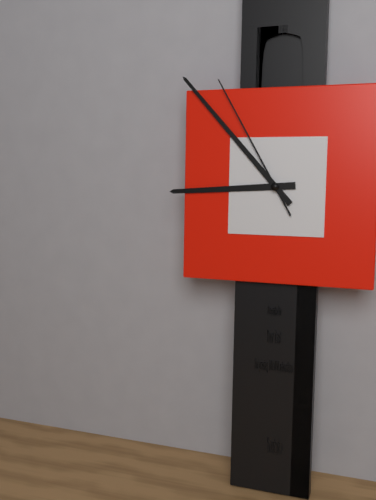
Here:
8 h 53 min 55 s
